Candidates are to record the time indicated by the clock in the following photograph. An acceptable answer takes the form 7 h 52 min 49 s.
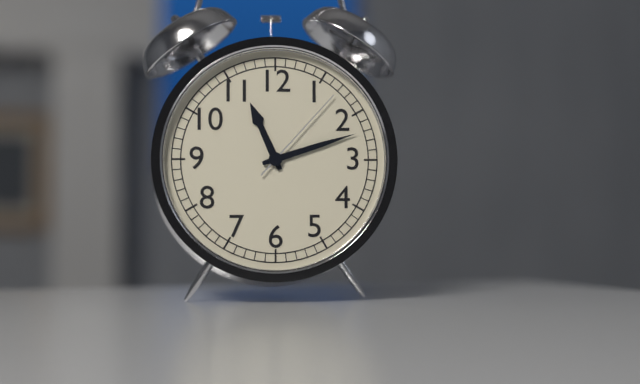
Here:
11 h 12 min 07 s
